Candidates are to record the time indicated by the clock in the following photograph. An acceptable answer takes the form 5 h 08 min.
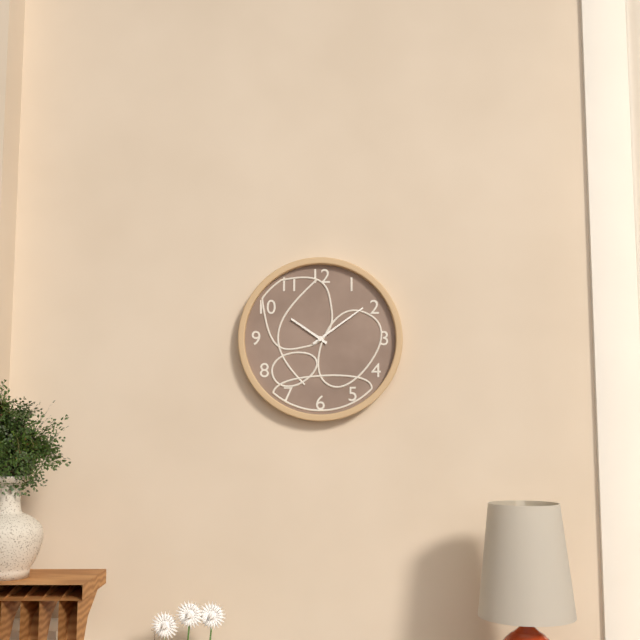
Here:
10 h 09 min
